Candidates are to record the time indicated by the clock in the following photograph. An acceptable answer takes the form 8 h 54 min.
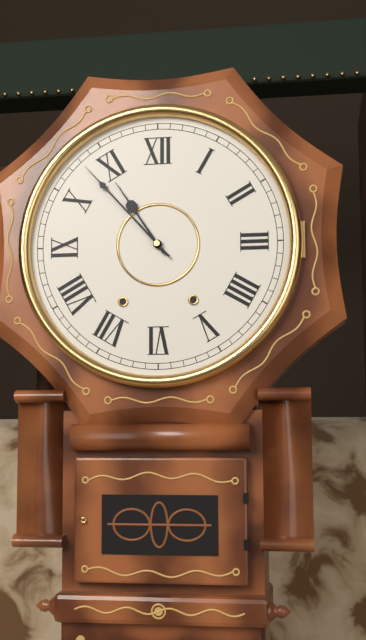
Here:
10 h 53 min
